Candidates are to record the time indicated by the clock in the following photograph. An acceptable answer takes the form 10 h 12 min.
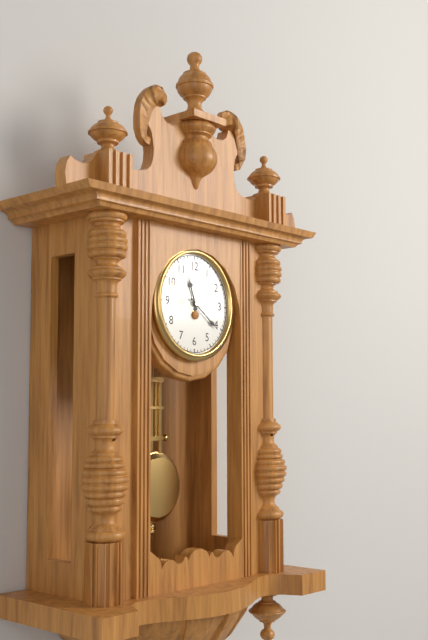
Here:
11 h 21 min
